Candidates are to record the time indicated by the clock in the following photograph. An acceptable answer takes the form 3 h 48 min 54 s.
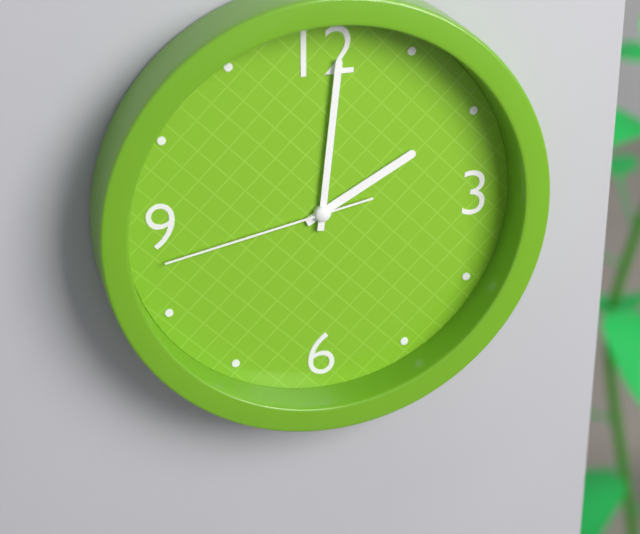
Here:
2 h 01 min 43 s
